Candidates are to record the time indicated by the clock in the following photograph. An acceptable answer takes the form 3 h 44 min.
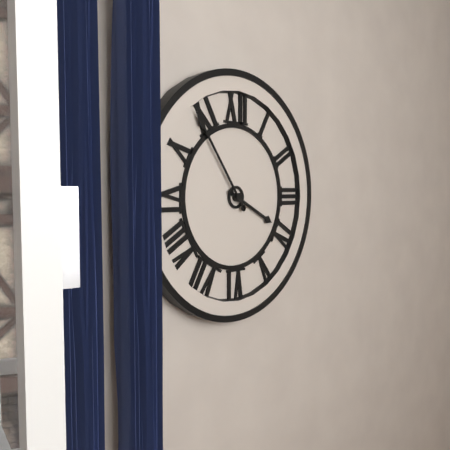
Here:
3 h 54 min
